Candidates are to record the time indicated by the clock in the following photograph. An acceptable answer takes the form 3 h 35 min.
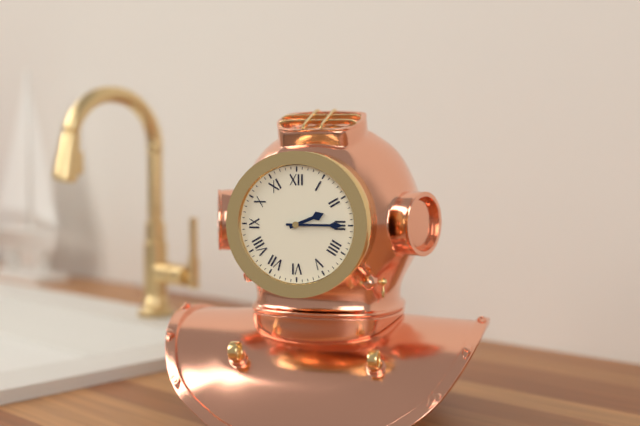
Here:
2 h 15 min
